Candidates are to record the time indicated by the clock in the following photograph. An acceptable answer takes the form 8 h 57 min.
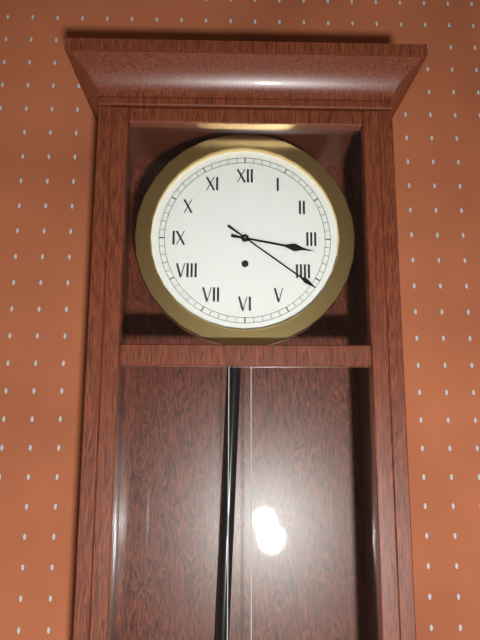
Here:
3 h 21 min
